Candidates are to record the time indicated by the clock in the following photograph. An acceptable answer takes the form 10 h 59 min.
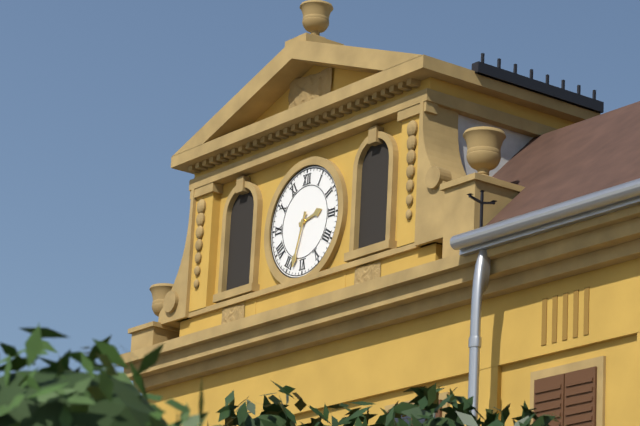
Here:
2 h 33 min
